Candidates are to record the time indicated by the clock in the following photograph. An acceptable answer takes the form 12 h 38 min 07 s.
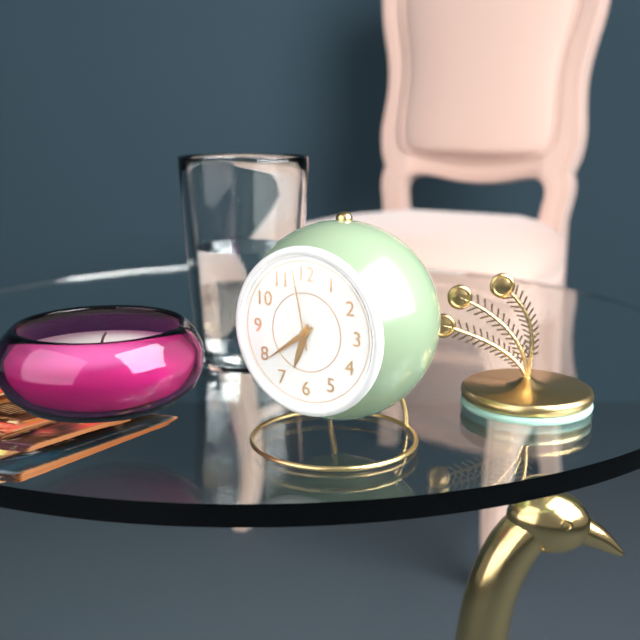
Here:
6 h 39 min 58 s
